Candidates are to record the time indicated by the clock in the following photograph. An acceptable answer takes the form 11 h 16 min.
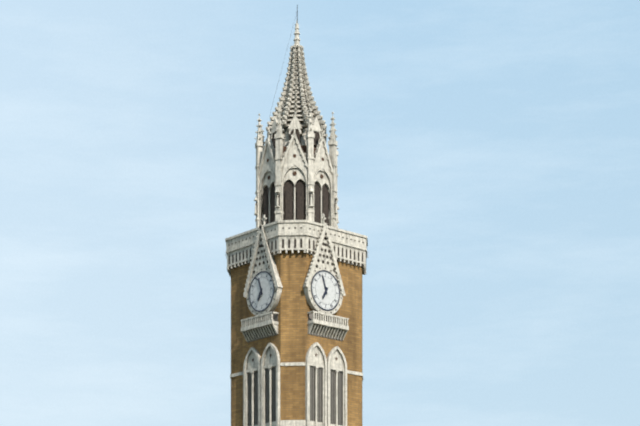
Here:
6 h 57 min
